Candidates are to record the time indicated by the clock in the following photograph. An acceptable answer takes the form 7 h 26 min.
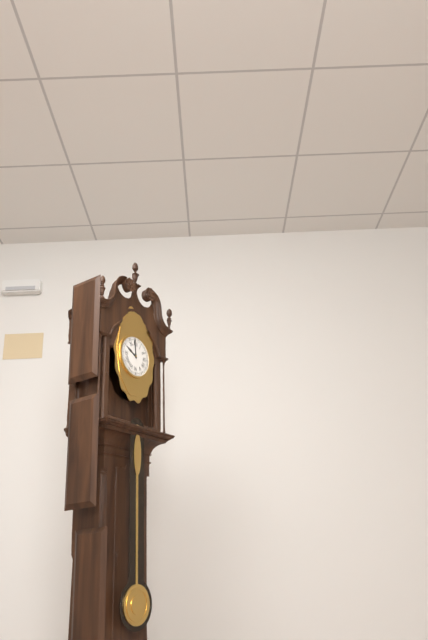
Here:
9 h 59 min
